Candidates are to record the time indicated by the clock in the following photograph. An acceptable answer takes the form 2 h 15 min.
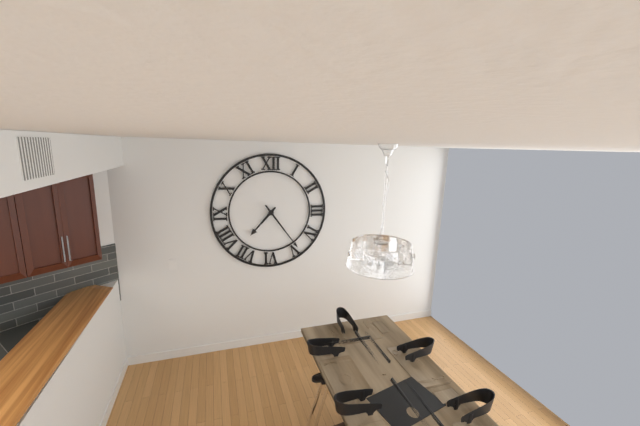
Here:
7 h 24 min
